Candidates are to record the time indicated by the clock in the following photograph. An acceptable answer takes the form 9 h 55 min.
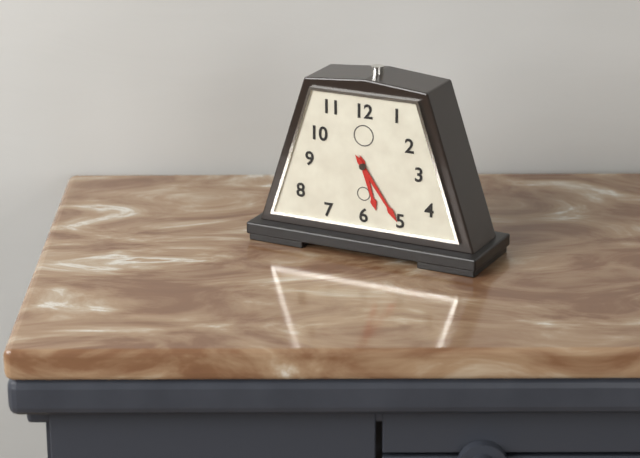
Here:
5 h 24 min
